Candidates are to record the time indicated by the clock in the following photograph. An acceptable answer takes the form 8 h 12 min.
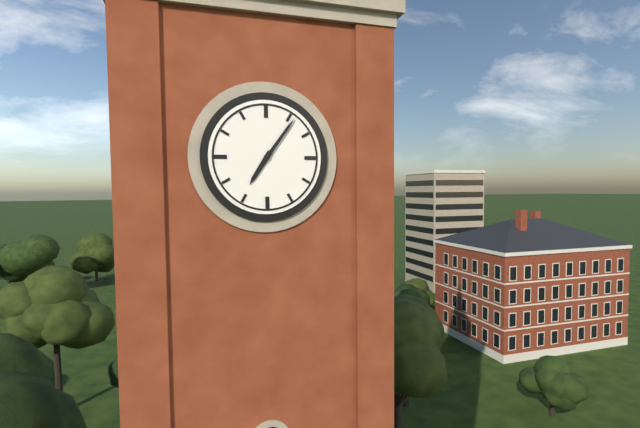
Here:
7 h 06 min
